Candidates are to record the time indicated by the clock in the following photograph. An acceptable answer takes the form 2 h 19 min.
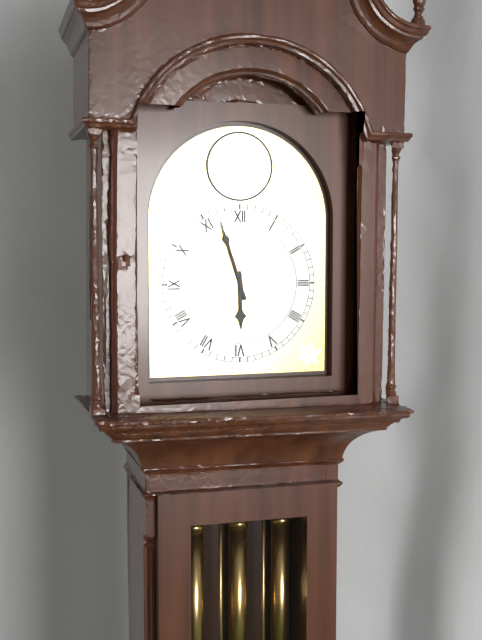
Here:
5 h 57 min
